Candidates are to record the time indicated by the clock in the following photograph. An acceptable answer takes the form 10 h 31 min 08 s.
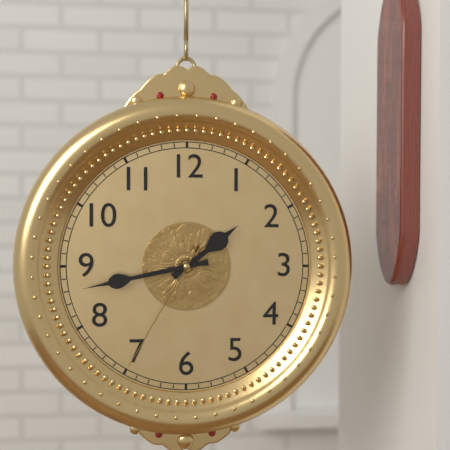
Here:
1 h 43 min 35 s
